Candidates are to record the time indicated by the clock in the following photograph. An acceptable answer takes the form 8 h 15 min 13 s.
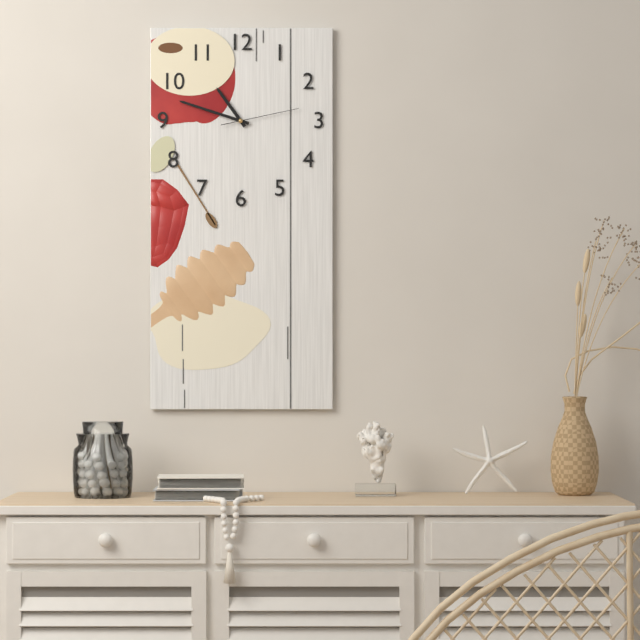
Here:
10 h 48 min 13 s
